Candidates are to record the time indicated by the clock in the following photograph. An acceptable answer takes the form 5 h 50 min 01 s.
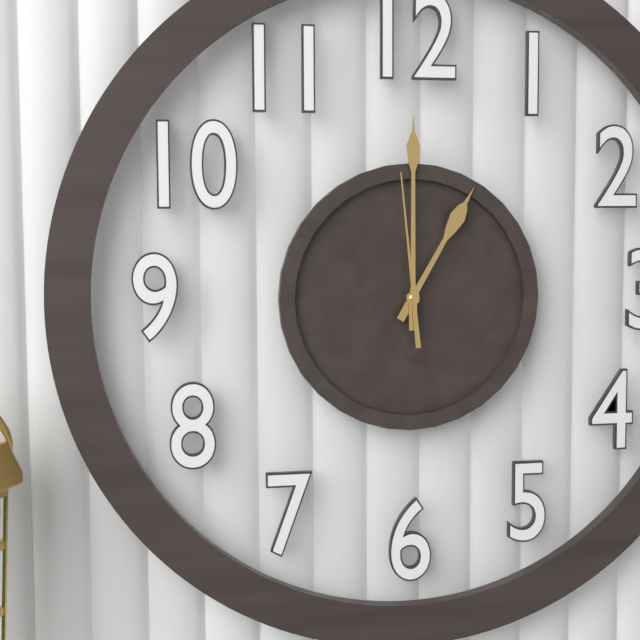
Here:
1 h 00 min 59 s
